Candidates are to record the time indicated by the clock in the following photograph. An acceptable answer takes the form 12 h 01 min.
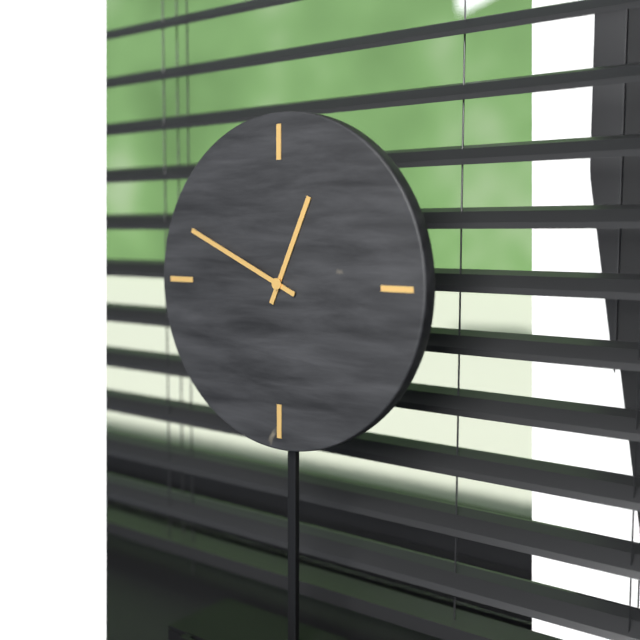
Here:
12 h 49 min
